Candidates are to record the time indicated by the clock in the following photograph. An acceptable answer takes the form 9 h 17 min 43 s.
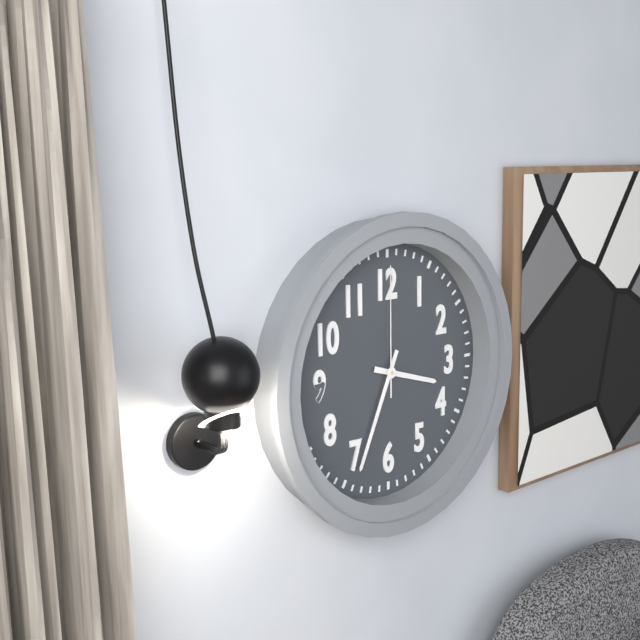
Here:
3 h 34 min 00 s
